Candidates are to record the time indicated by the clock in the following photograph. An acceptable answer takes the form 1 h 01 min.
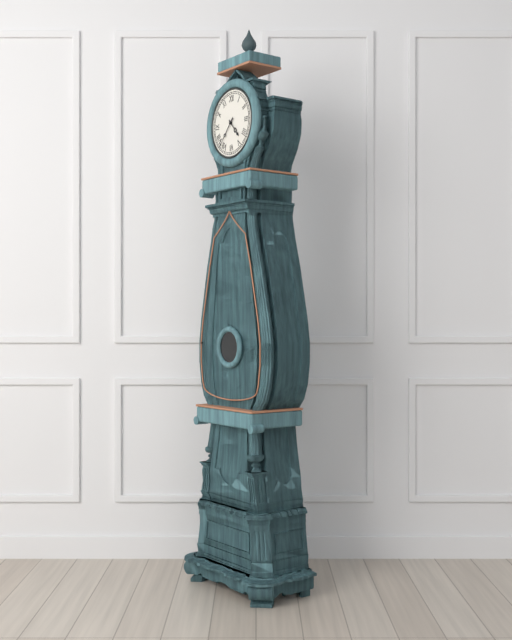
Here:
4 h 37 min
